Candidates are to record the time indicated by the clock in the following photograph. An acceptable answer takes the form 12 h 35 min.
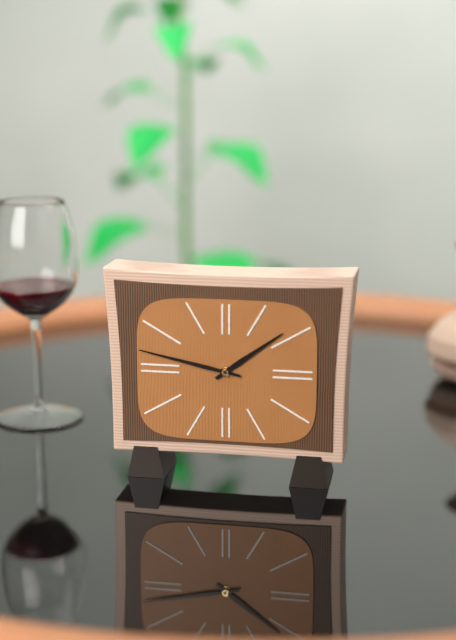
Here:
1 h 47 min
